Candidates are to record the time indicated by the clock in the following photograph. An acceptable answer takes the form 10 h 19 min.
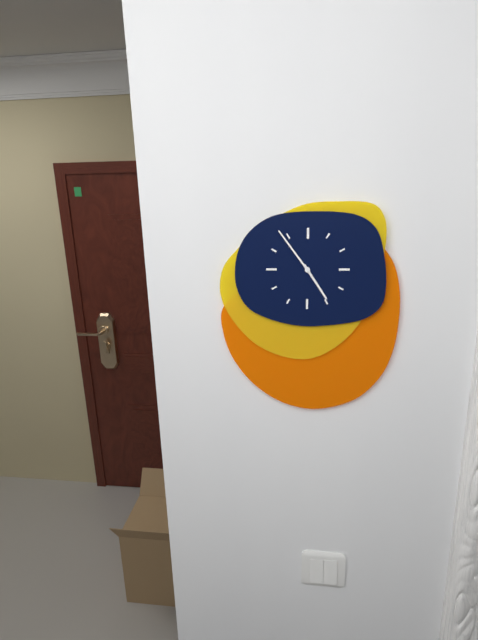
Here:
4 h 54 min
